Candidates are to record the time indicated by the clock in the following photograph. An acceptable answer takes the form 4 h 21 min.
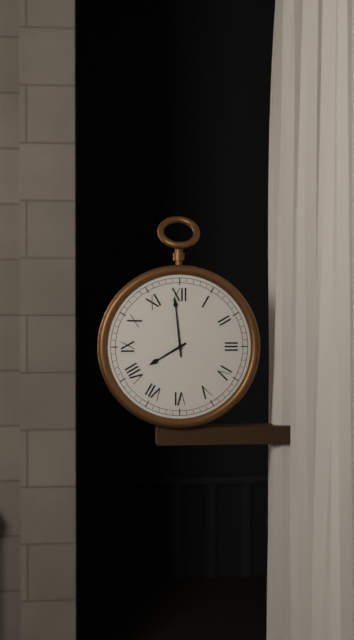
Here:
7 h 59 min
